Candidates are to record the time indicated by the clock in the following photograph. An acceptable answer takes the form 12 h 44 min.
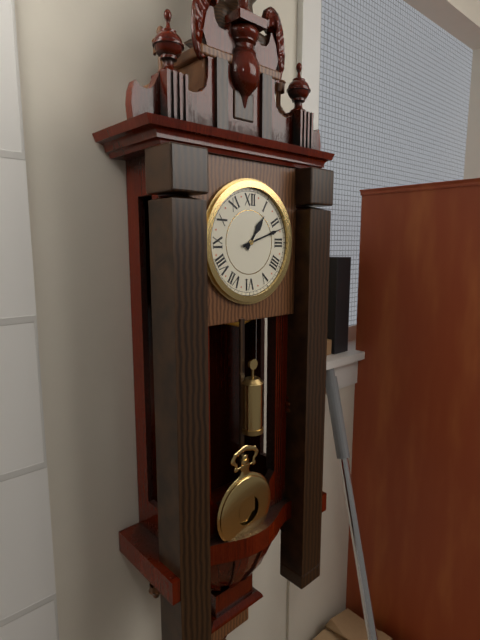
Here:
1 h 12 min
